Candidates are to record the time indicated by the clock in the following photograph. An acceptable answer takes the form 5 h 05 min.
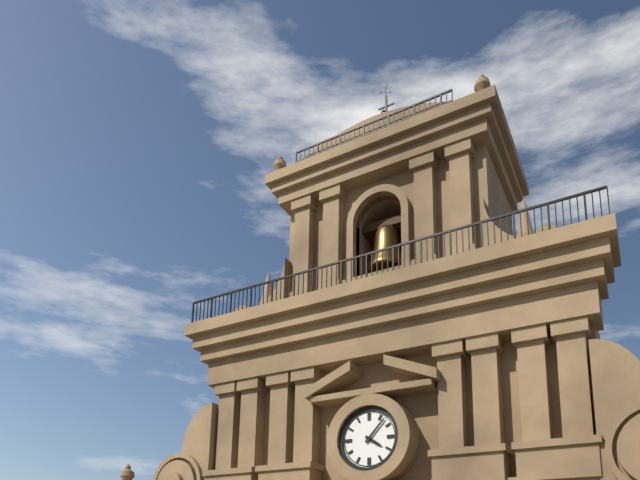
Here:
4 h 07 min
